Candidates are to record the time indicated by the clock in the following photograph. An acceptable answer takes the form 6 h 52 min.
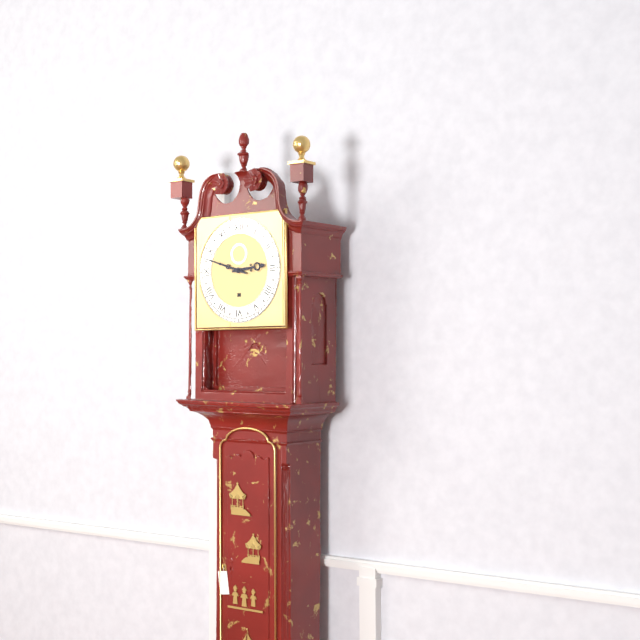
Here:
2 h 48 min
